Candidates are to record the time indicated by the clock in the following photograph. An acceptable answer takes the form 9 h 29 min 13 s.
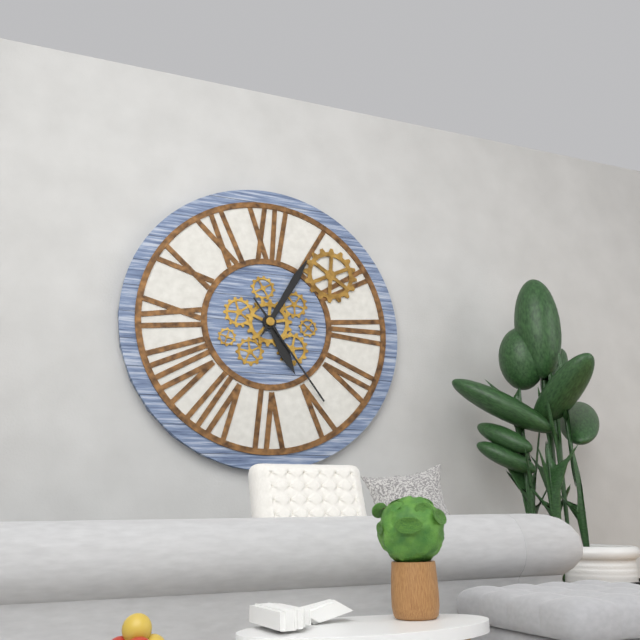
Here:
5 h 05 min 24 s
